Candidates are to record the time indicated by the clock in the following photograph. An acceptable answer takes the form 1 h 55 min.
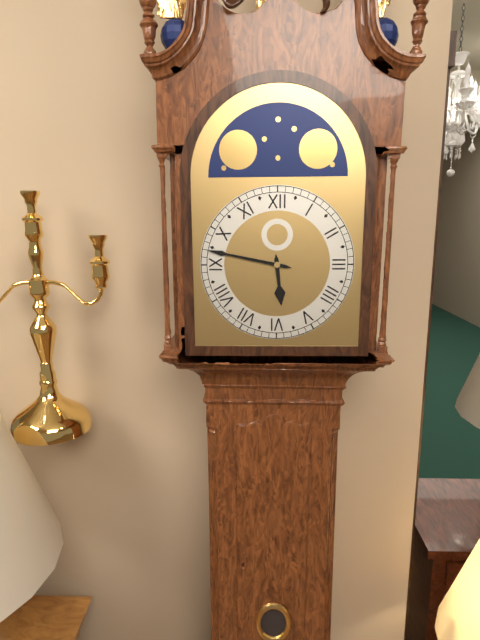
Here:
5 h 47 min
